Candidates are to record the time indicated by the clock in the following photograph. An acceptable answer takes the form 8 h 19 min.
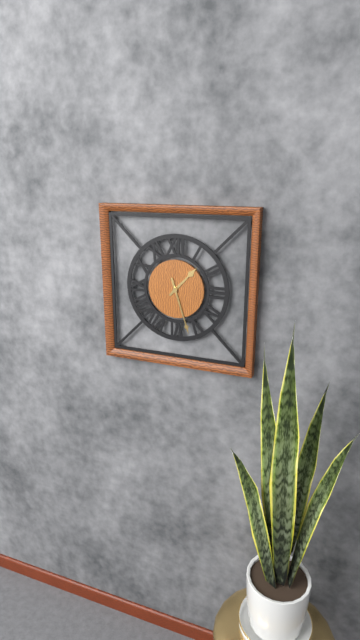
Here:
1 h 27 min
